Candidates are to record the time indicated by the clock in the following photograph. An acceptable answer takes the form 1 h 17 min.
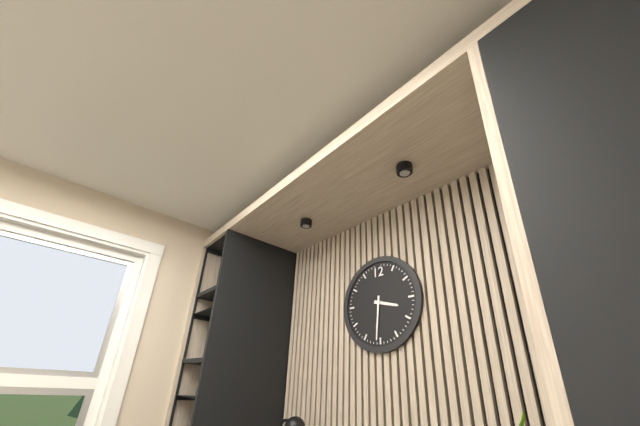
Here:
3 h 31 min
